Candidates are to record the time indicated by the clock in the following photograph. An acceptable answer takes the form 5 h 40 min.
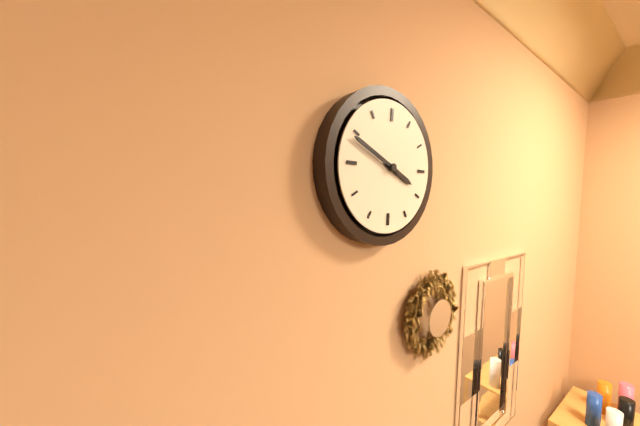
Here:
3 h 49 min
